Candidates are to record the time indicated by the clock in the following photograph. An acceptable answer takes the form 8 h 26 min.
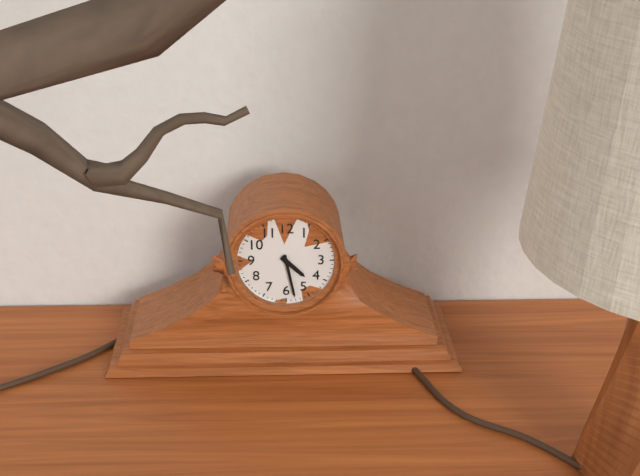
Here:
4 h 28 min
